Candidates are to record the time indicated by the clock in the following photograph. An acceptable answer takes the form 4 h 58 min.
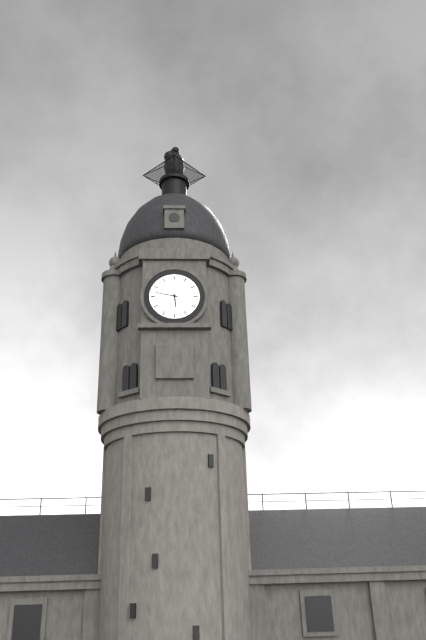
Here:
5 h 47 min
